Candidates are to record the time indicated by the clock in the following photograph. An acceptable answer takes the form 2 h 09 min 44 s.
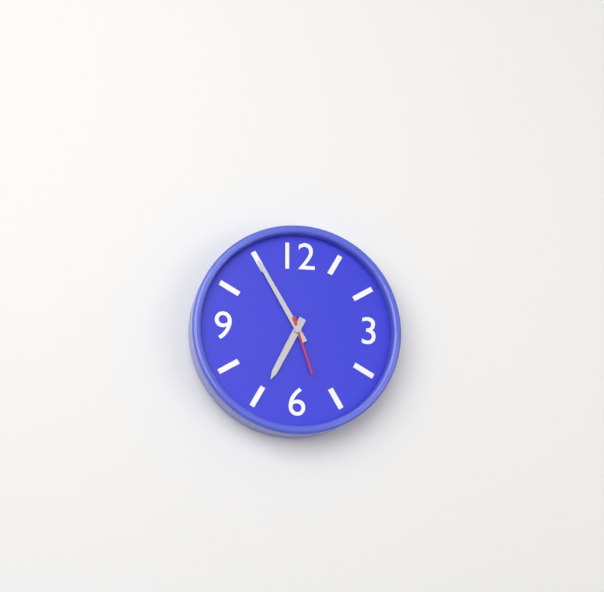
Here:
6 h 55 min 27 s
